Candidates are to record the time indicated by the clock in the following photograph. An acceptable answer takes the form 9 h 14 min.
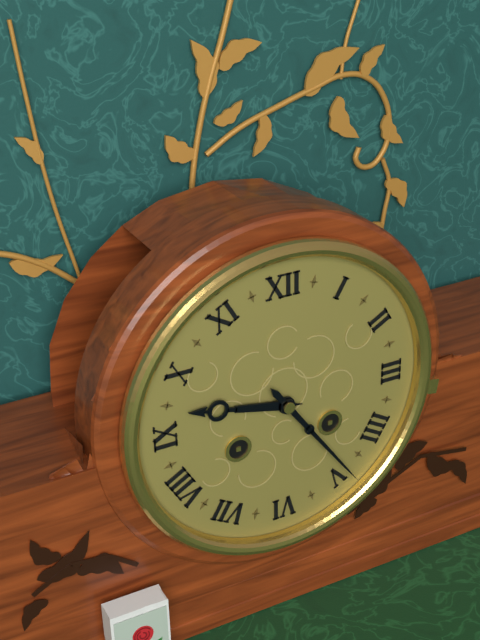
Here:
9 h 24 min
